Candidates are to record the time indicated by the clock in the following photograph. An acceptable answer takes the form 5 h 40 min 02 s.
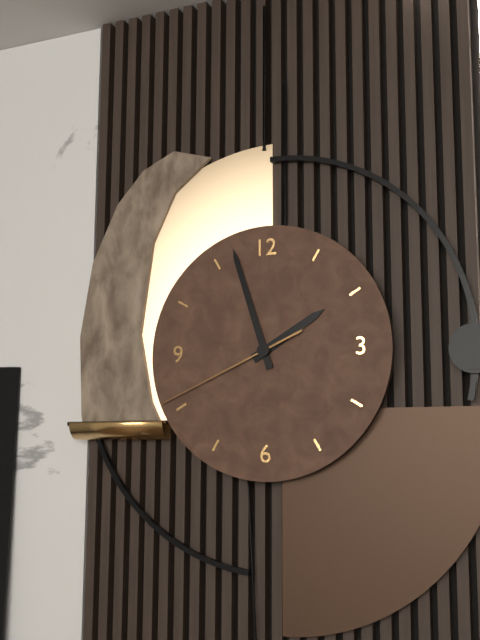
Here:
1 h 57 min 41 s
